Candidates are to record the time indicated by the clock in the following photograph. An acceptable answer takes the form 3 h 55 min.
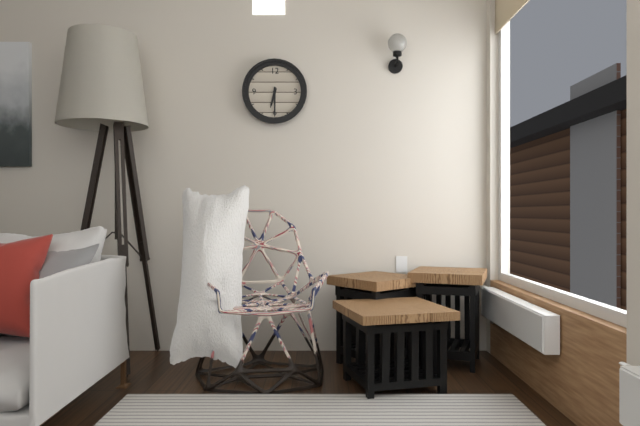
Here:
6 h 30 min
